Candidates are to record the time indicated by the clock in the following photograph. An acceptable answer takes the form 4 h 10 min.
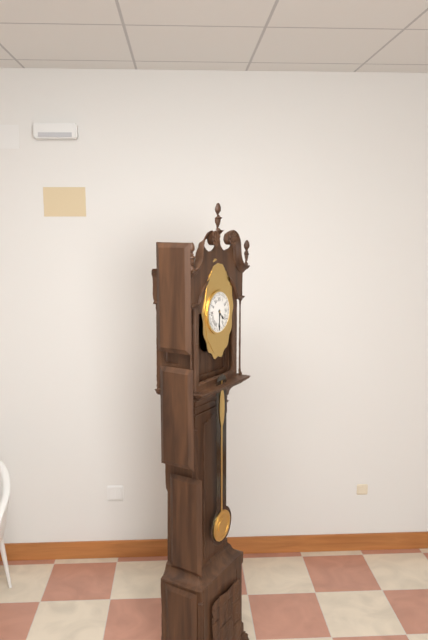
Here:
4 h 30 min
